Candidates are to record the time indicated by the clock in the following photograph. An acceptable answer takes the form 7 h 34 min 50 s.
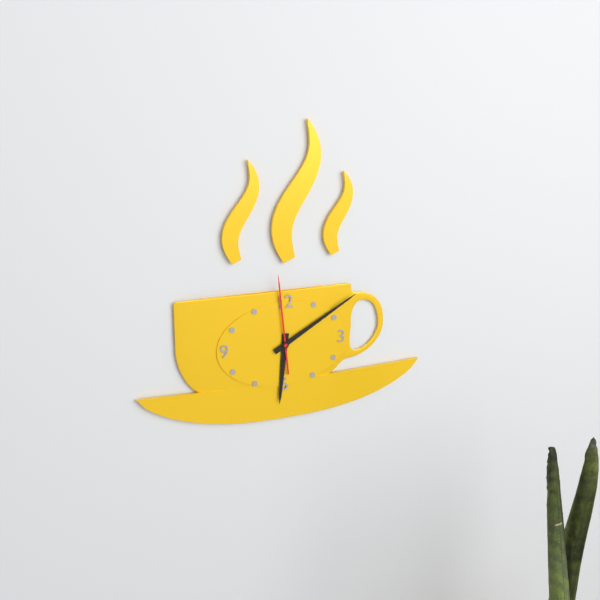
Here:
6 h 10 min 59 s
